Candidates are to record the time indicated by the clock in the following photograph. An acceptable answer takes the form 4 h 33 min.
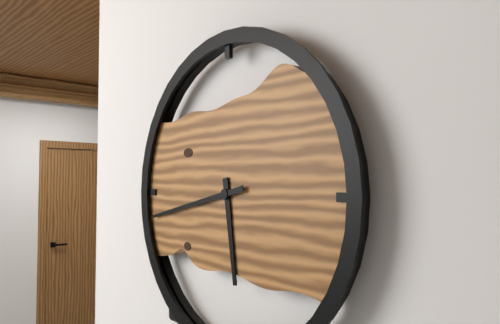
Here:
5 h 43 min
